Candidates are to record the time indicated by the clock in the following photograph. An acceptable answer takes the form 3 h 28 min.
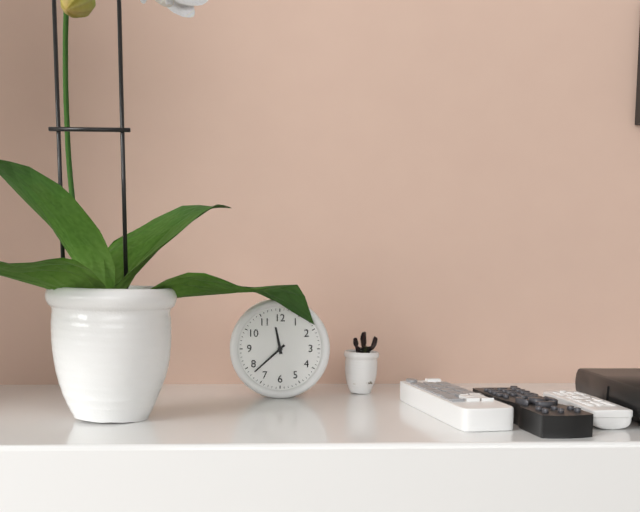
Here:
11 h 38 min
